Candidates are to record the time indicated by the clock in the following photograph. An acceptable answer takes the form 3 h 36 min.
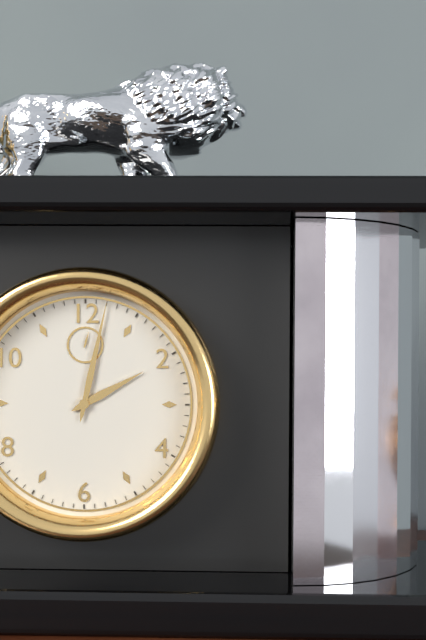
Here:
2 h 02 min
